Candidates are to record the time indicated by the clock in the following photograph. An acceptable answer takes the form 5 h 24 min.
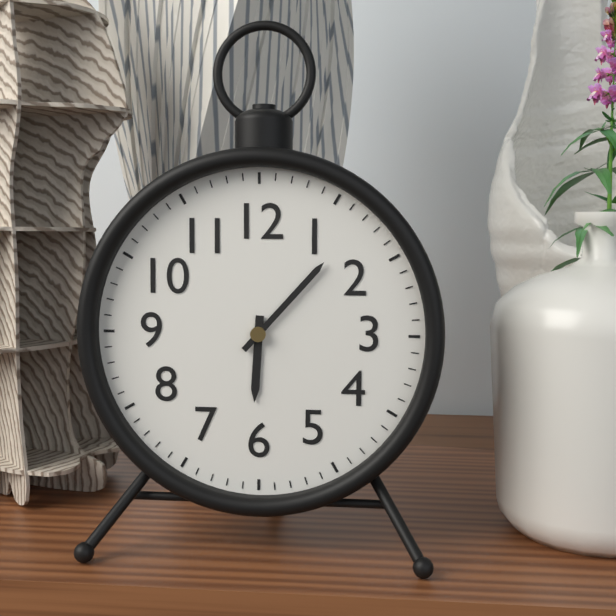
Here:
6 h 07 min
